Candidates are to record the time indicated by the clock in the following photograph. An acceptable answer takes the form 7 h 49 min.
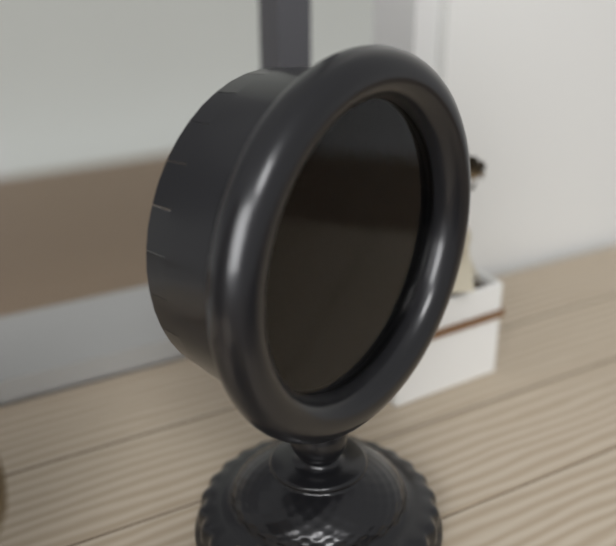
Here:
4 h 52 min
